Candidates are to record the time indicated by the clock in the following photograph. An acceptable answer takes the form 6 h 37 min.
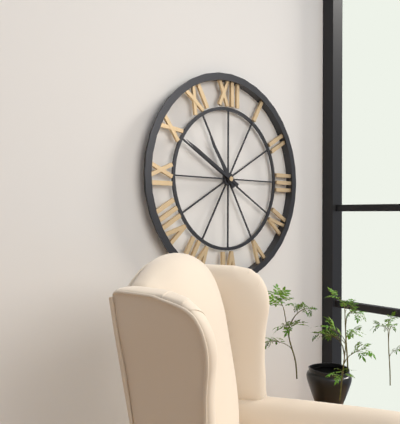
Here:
10 h 50 min
